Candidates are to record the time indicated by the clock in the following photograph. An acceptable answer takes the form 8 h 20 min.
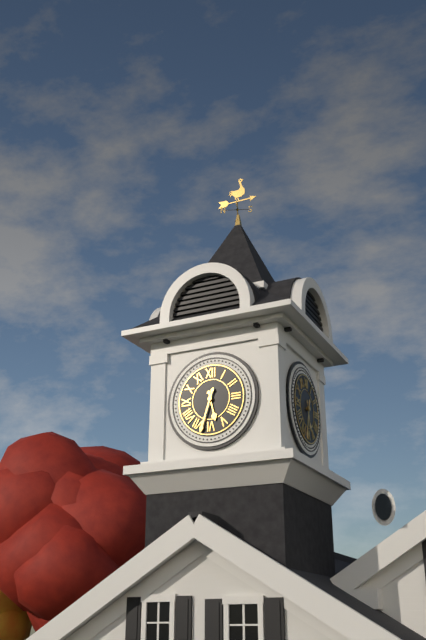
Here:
5 h 33 min
